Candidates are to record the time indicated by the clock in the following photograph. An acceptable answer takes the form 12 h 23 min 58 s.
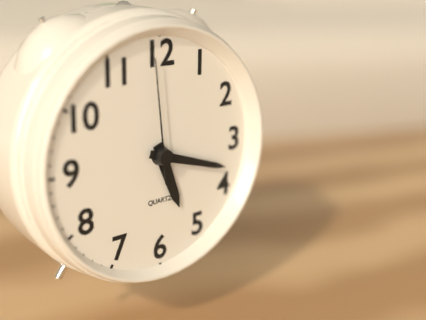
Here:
5 h 18 min 59 s
